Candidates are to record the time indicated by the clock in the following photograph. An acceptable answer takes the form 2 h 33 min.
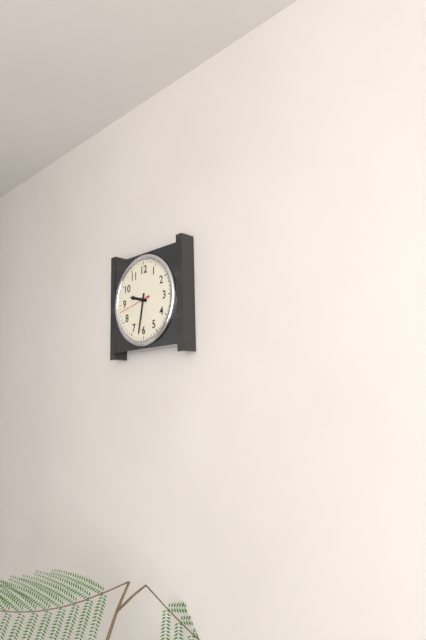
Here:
9 h 32 min
